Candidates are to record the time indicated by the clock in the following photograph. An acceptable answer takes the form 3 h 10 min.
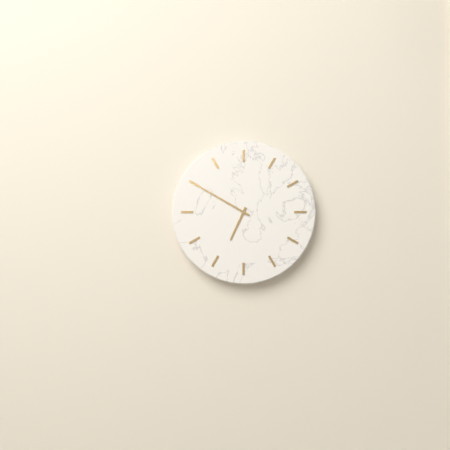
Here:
6 h 50 min
